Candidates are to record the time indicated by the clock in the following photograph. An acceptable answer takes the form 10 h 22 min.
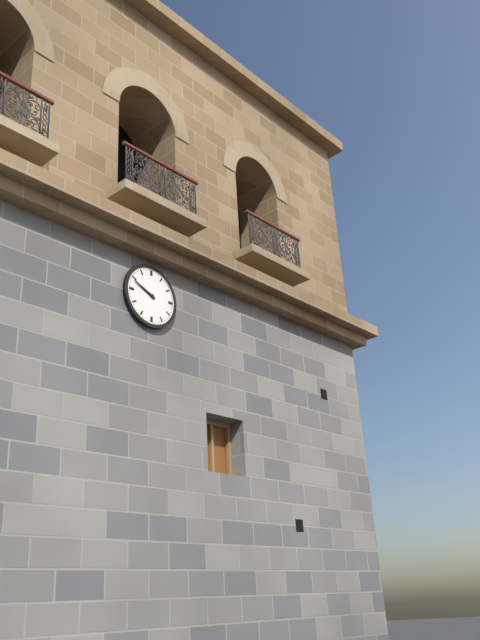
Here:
9 h 49 min
